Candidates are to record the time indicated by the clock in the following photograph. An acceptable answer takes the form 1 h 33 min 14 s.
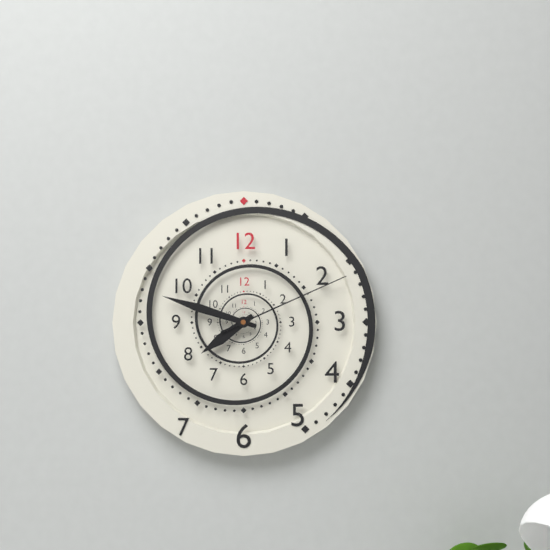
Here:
7 h 48 min 11 s
